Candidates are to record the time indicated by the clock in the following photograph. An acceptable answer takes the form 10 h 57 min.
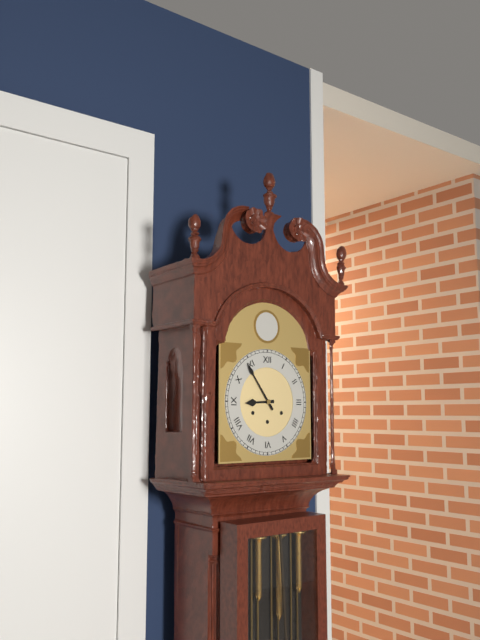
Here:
8 h 54 min
